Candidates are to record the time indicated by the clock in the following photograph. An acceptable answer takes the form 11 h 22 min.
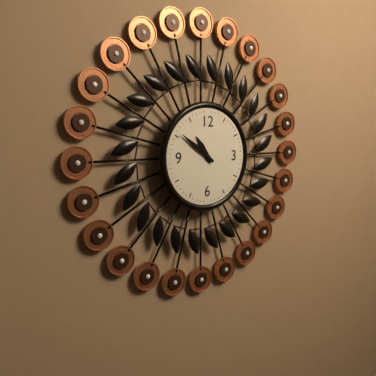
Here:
10 h 51 min
